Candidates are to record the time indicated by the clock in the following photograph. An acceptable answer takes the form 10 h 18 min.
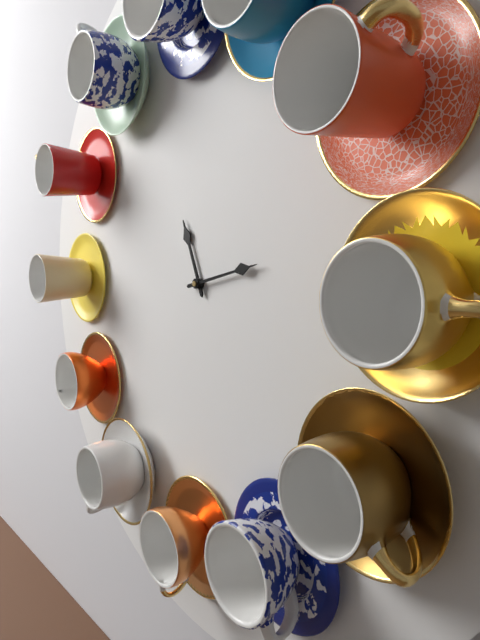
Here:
11 h 13 min
